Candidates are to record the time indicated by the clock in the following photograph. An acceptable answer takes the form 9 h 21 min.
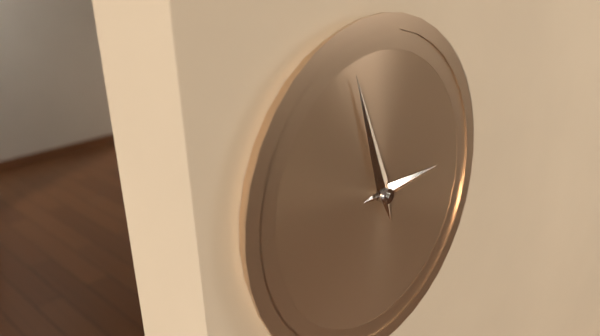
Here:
2 h 57 min
